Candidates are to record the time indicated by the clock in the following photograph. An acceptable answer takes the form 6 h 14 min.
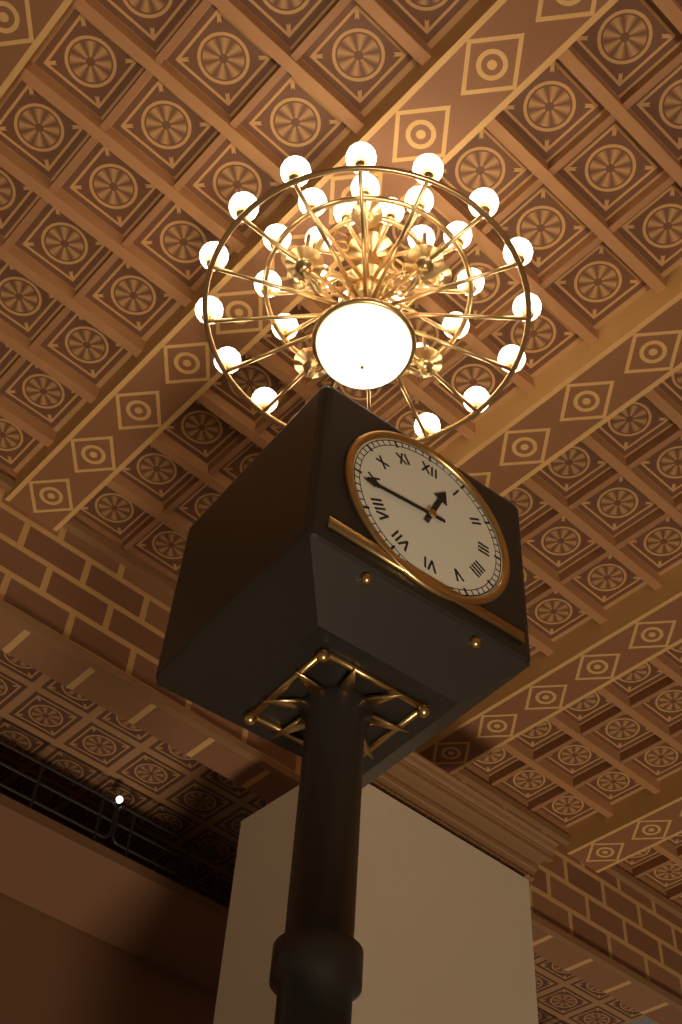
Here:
12 h 44 min
